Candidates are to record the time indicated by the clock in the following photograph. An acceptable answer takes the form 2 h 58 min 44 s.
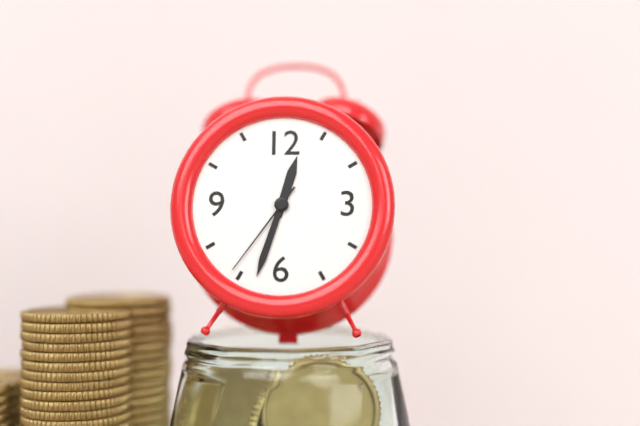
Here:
12 h 33 min 36 s
